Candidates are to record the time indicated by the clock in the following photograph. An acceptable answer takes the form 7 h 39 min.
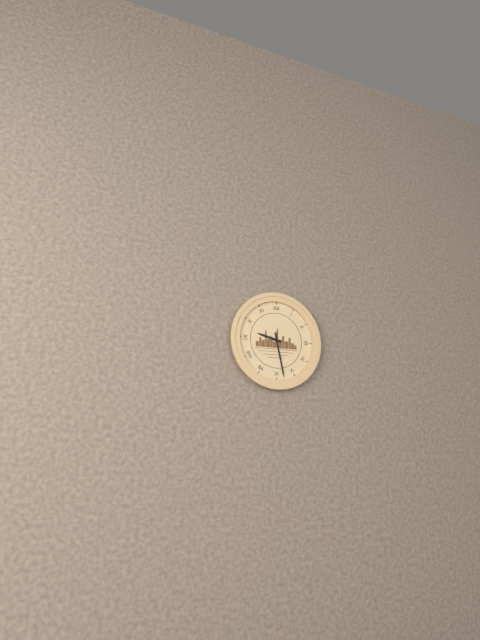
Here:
9 h 28 min
